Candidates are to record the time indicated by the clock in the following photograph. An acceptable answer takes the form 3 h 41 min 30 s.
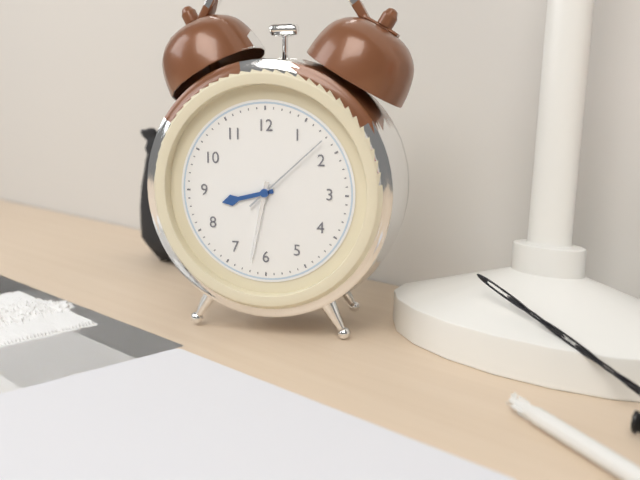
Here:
8 h 32 min 08 s
